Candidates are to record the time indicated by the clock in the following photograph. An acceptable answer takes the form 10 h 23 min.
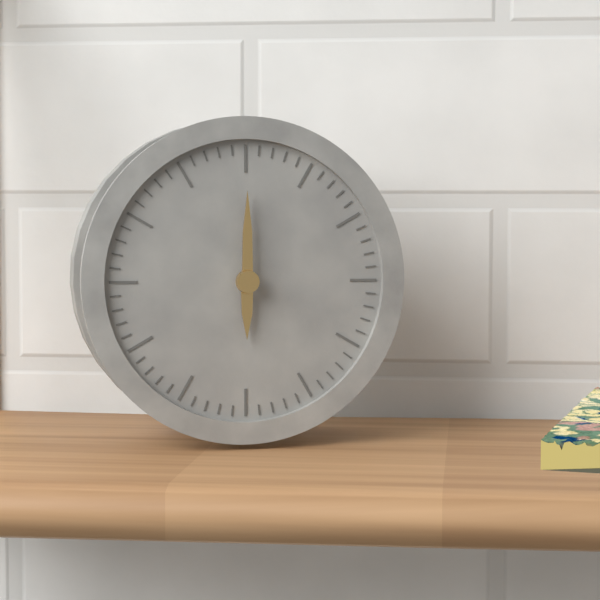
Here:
6 h 00 min
